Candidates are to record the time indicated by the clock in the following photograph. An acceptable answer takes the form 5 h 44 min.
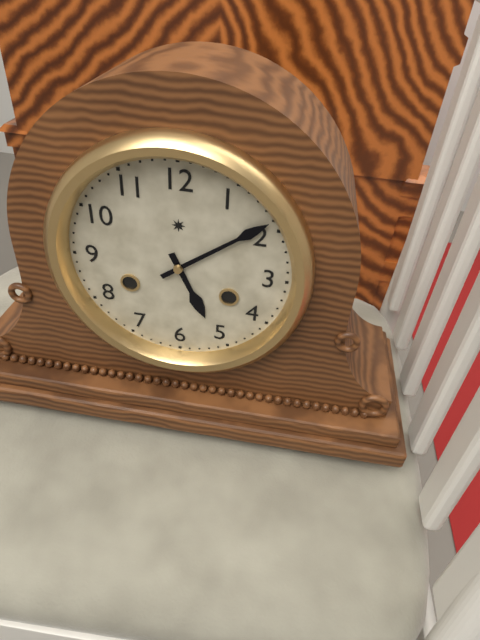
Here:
5 h 09 min
